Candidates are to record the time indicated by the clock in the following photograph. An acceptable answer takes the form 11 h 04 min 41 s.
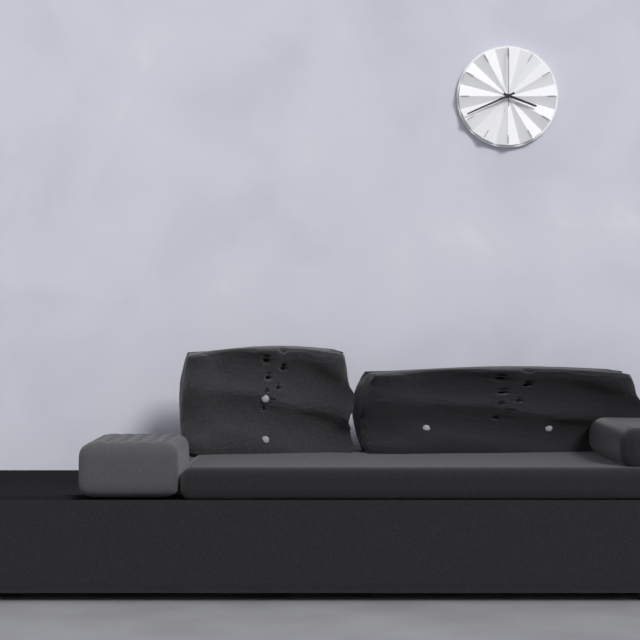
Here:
3 h 41 min 00 s
